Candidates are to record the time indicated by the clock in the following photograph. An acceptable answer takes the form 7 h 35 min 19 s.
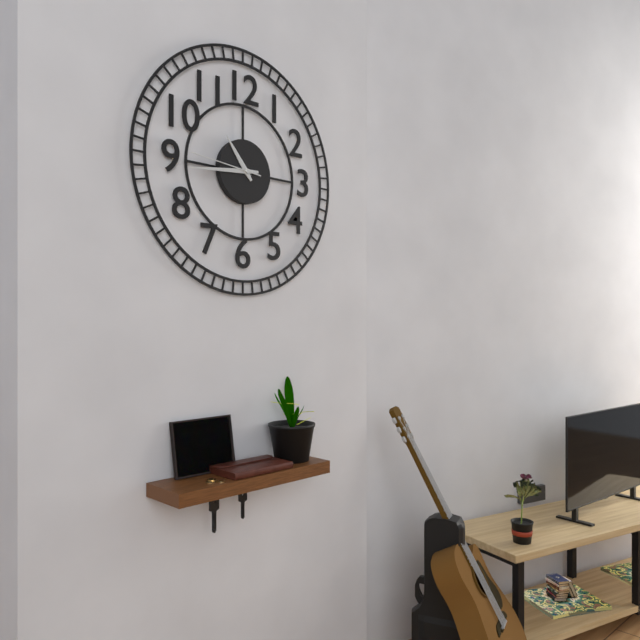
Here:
10 h 44 min 46 s
